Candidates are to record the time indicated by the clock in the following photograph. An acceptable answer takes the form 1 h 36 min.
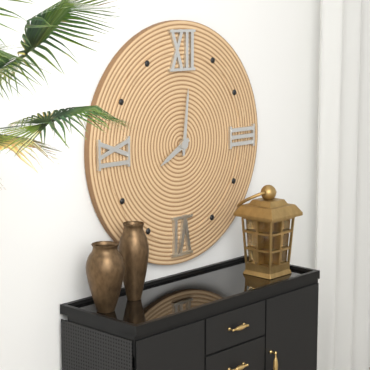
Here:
8 h 01 min
